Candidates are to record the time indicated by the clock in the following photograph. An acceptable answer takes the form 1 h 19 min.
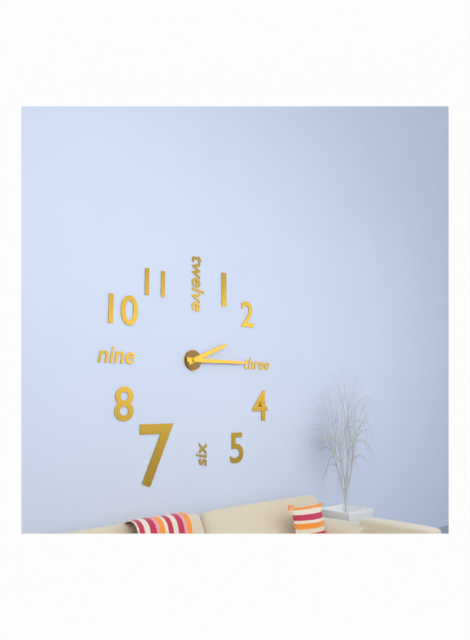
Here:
2 h 15 min
